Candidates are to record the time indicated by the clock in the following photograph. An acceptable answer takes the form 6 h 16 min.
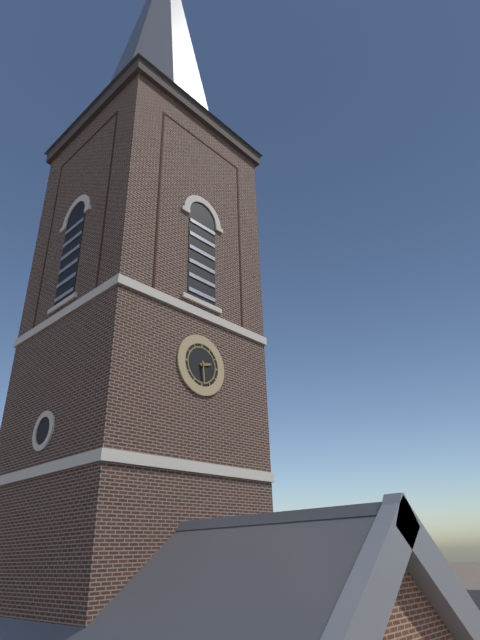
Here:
2 h 29 min
